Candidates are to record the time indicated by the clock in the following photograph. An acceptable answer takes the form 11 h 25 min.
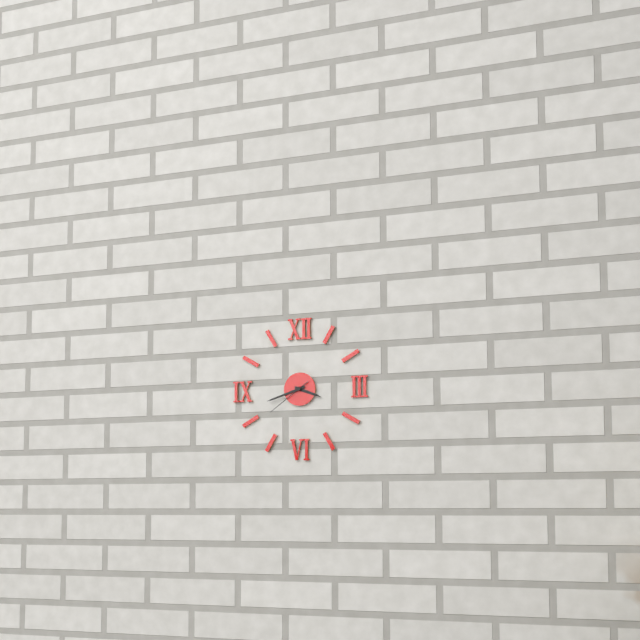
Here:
3 h 42 min
